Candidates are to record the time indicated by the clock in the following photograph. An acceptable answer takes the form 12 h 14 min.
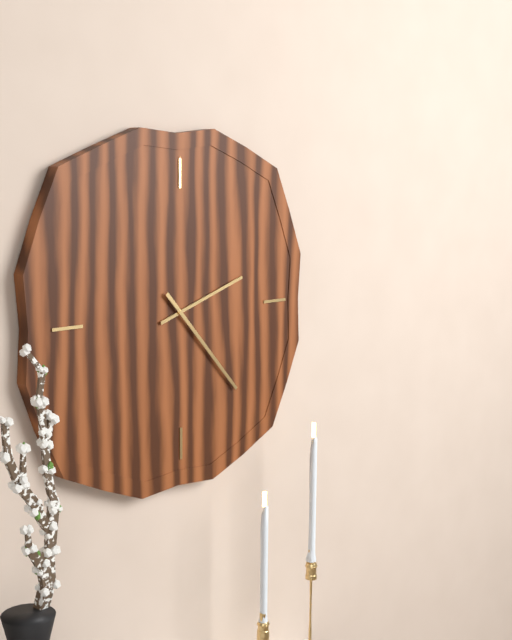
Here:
2 h 23 min
